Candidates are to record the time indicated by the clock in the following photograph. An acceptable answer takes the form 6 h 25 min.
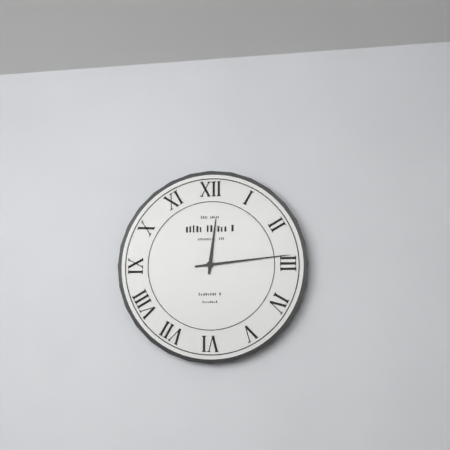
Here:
12 h 14 min
